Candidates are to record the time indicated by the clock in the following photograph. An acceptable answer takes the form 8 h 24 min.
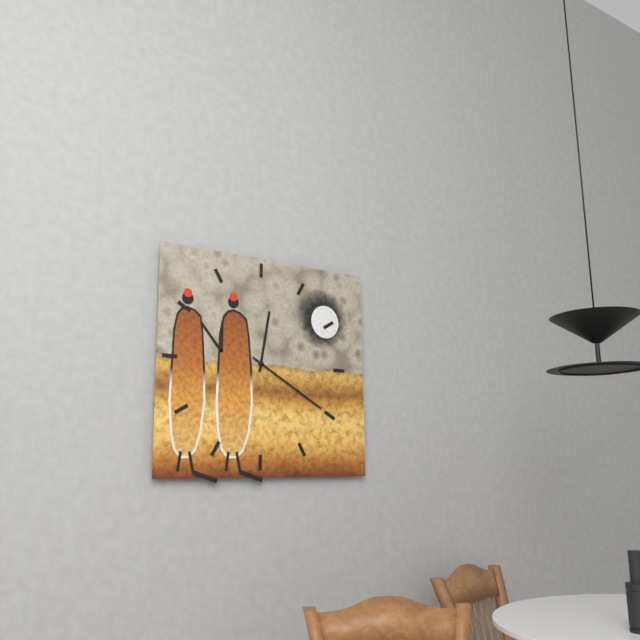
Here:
12 h 20 min
